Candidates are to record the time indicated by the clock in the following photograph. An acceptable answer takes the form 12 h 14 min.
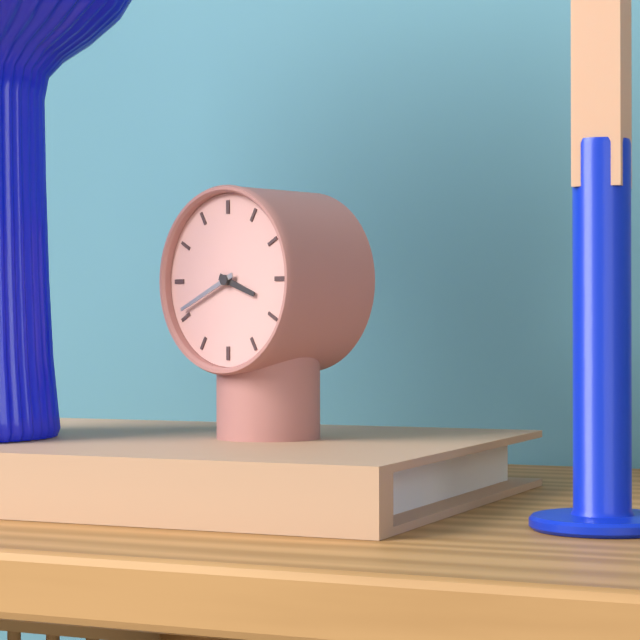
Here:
3 h 41 min
